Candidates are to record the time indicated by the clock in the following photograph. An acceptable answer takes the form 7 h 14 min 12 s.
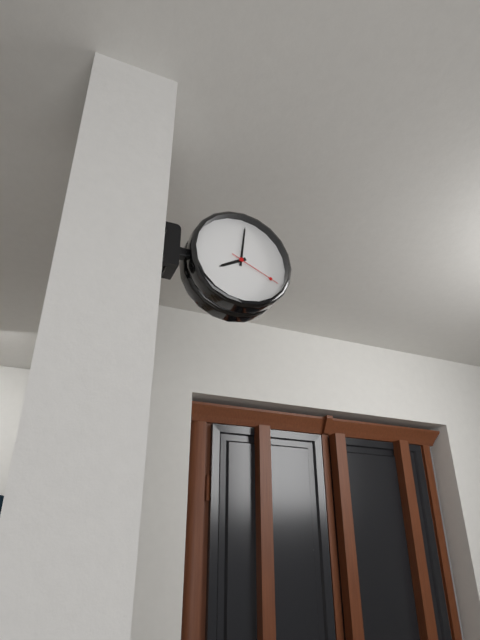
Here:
8 h 01 min 19 s
